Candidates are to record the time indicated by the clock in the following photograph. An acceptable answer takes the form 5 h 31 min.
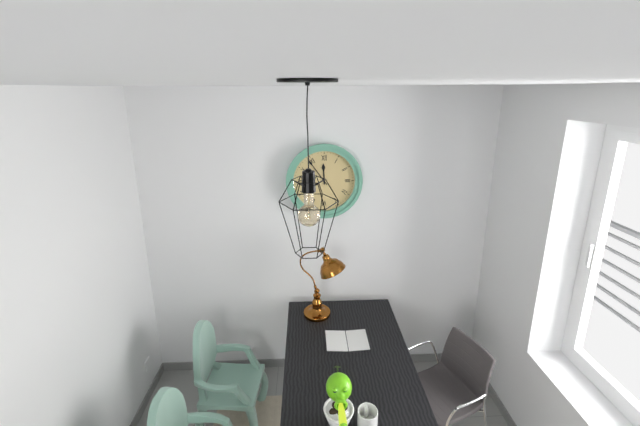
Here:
11 h 54 min
